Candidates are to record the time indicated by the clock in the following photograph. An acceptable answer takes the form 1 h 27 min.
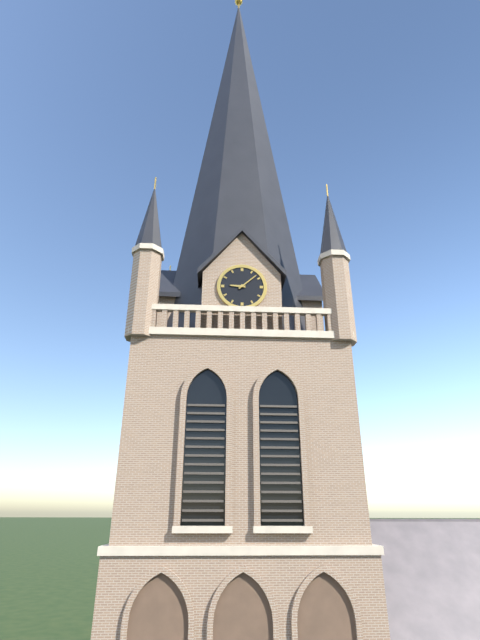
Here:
9 h 08 min
